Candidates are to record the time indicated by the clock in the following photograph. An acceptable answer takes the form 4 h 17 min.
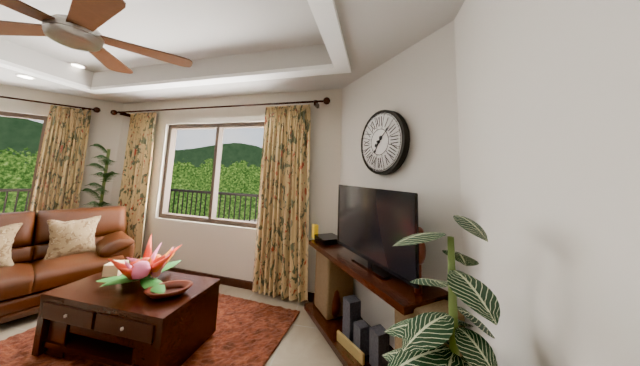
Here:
7 h 08 min
